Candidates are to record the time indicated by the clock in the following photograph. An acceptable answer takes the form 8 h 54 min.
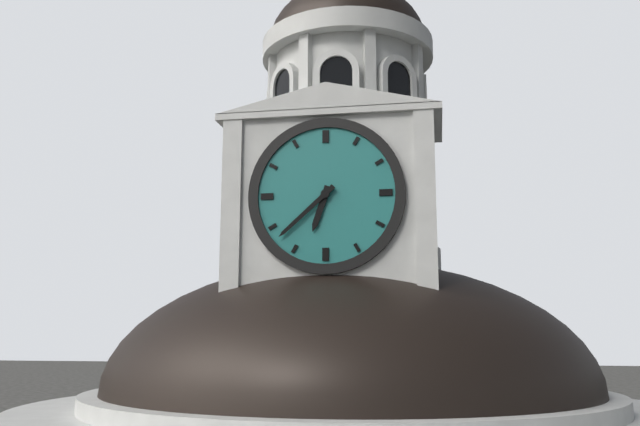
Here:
6 h 38 min
